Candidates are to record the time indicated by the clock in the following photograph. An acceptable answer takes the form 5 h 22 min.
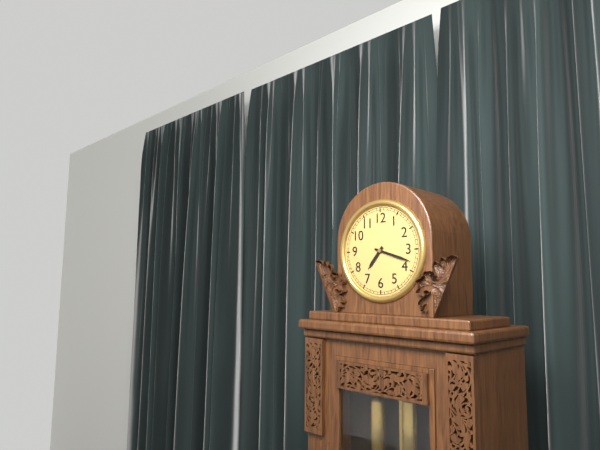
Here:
7 h 18 min
